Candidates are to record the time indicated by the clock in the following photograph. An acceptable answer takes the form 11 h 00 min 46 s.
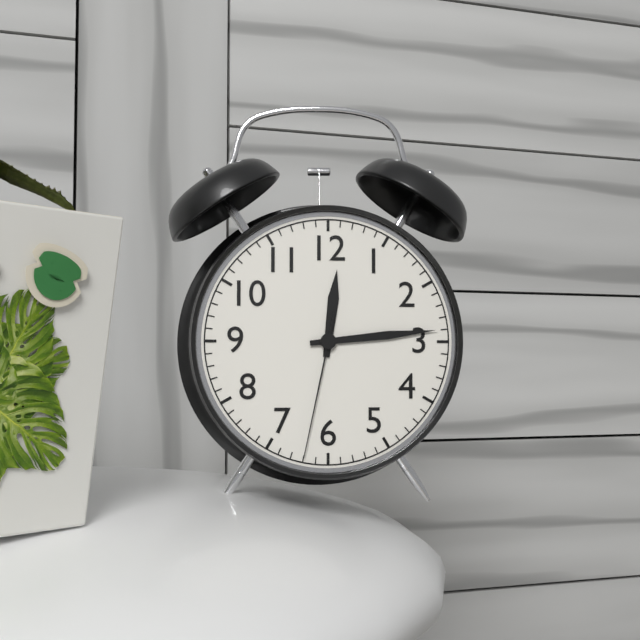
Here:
12 h 14 min 32 s
